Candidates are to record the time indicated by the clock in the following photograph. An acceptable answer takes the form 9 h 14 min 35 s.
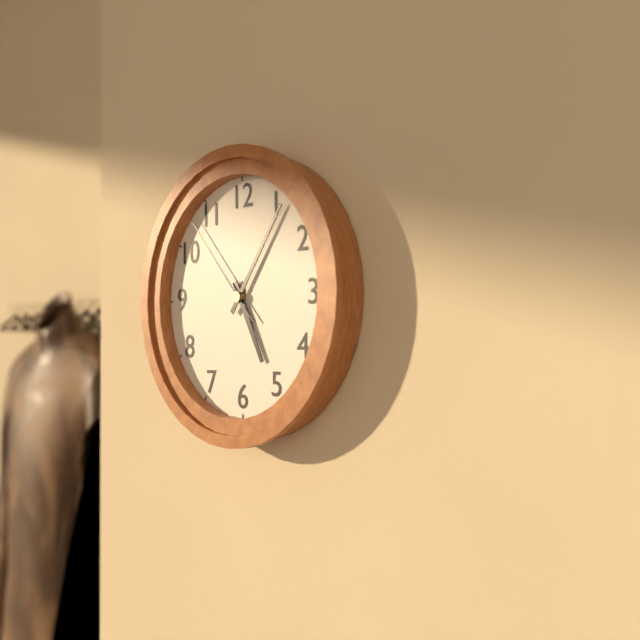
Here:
5 h 06 min 53 s
